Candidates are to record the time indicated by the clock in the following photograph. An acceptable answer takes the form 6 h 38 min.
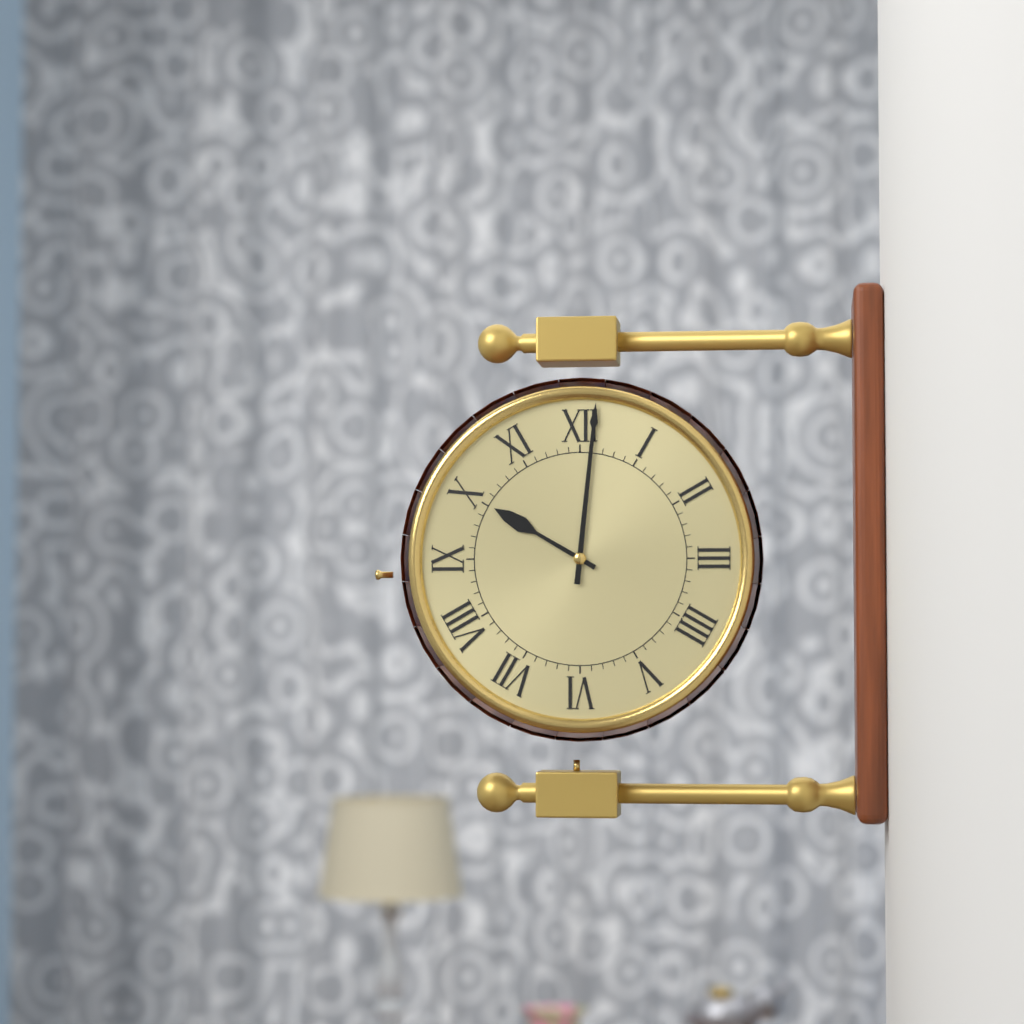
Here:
10 h 01 min
